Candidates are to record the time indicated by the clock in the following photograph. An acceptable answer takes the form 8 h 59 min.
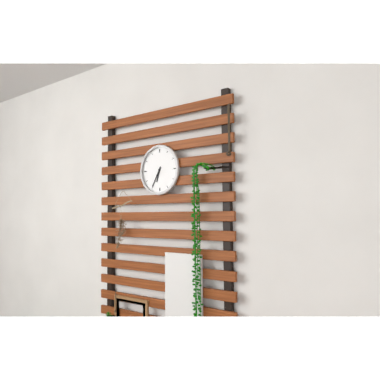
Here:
6 h 35 min
